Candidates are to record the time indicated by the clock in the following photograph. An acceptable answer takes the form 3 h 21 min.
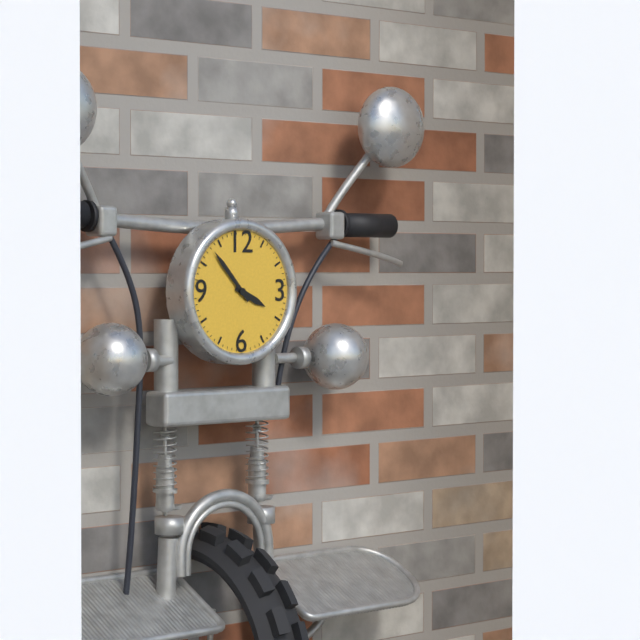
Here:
3 h 53 min
